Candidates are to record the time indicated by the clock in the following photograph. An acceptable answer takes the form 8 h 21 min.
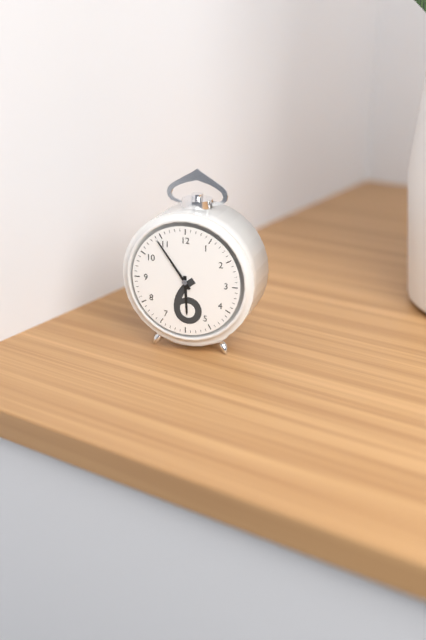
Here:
5 h 54 min
